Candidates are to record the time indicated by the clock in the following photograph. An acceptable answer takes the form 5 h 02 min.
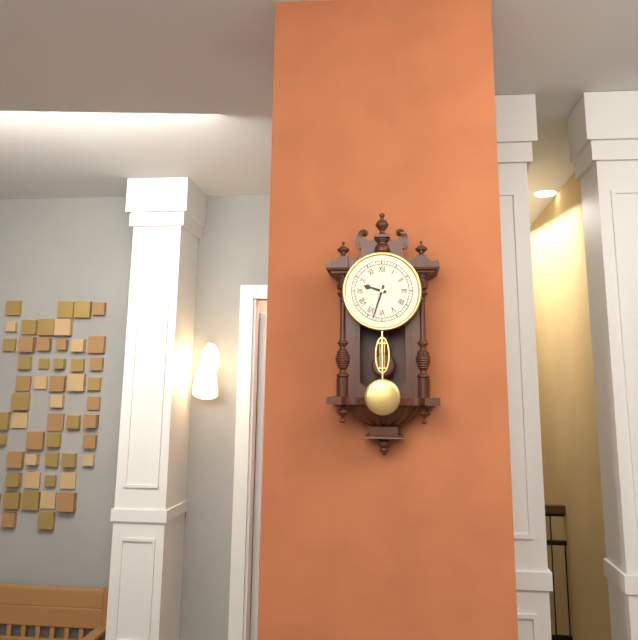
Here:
9 h 33 min
